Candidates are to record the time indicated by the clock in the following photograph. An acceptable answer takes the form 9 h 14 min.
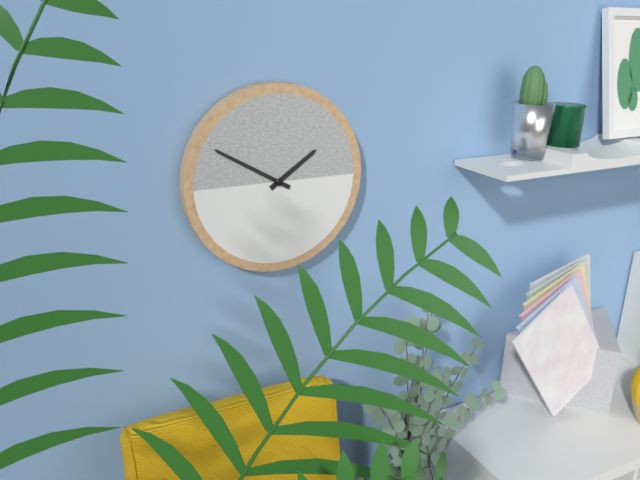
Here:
1 h 50 min
